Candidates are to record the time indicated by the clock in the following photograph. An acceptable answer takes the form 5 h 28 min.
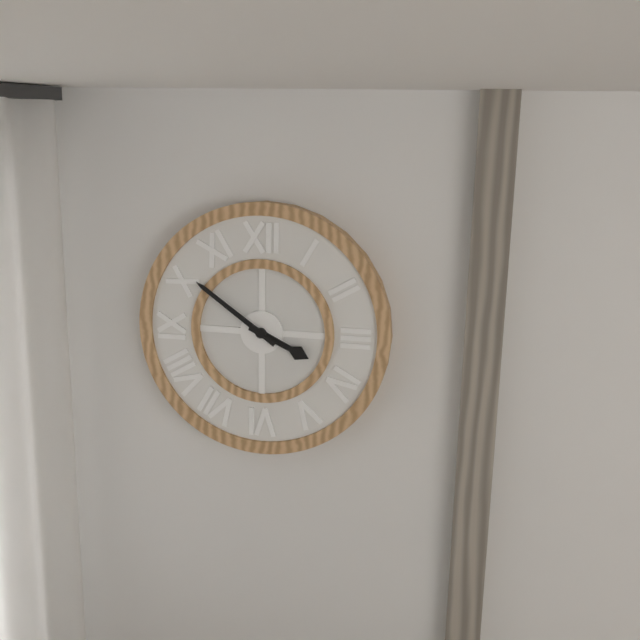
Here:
3 h 51 min
